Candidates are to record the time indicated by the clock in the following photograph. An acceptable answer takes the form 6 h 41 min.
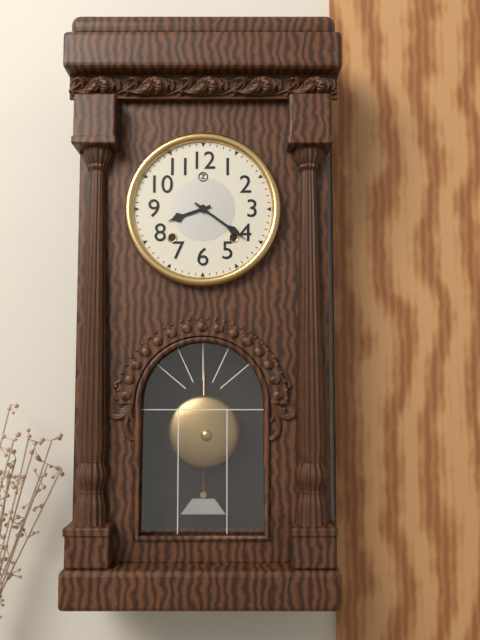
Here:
8 h 21 min
